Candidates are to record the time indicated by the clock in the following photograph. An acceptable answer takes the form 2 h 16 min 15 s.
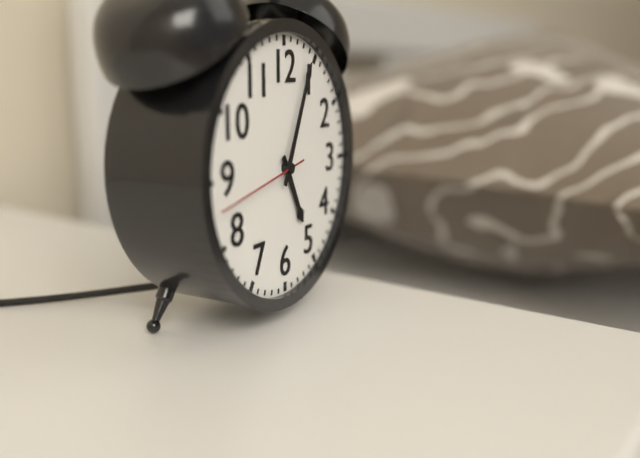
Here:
5 h 04 min 43 s
